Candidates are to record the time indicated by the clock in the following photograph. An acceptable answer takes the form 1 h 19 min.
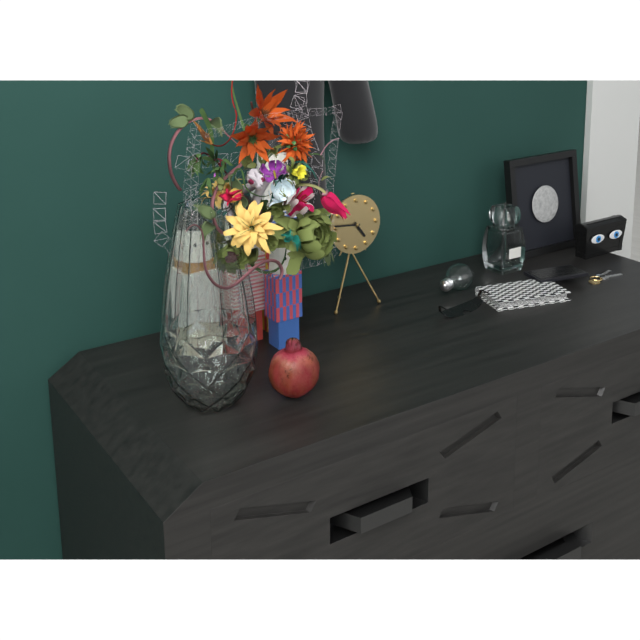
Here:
4 h 46 min
